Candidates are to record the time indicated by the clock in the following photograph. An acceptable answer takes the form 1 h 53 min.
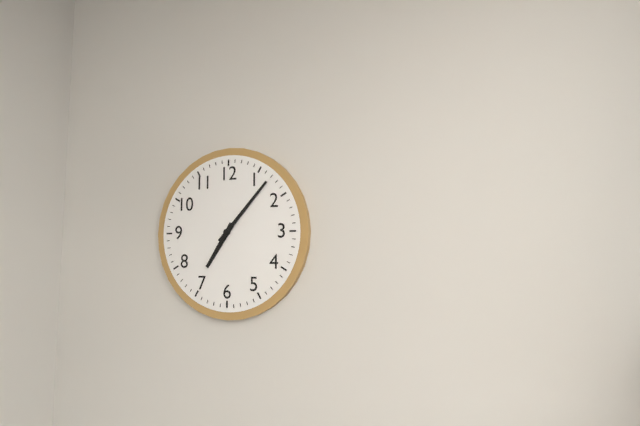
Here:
7 h 07 min
